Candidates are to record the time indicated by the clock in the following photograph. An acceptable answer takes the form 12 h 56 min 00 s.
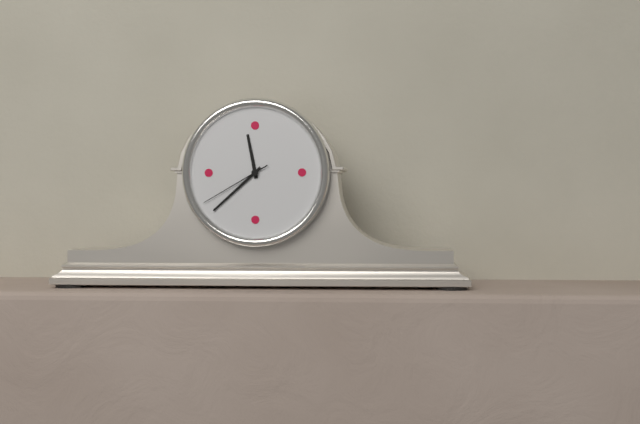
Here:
11 h 38 min 40 s
